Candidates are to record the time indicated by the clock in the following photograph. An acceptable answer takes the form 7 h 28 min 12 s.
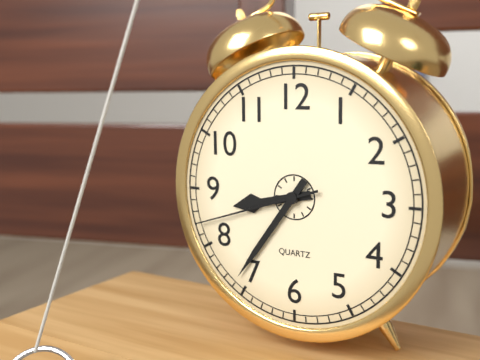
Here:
8 h 36 min 42 s
